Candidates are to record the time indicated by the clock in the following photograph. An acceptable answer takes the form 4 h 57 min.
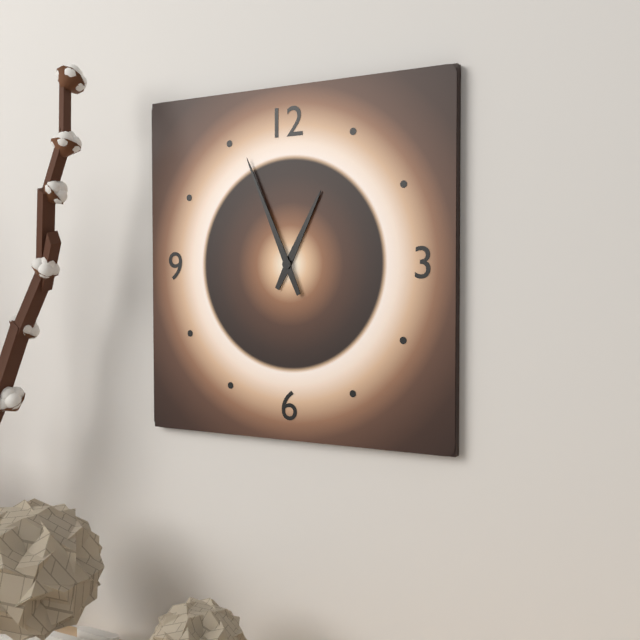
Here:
12 h 56 min
